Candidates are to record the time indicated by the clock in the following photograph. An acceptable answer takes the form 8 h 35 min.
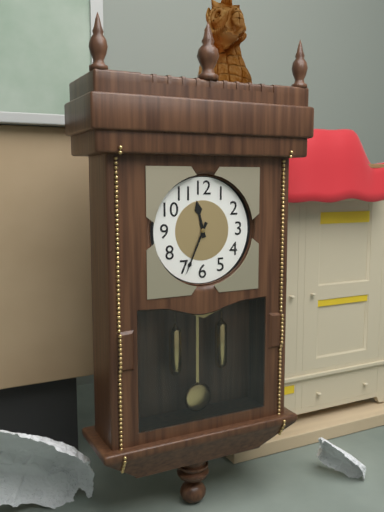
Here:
11 h 34 min
